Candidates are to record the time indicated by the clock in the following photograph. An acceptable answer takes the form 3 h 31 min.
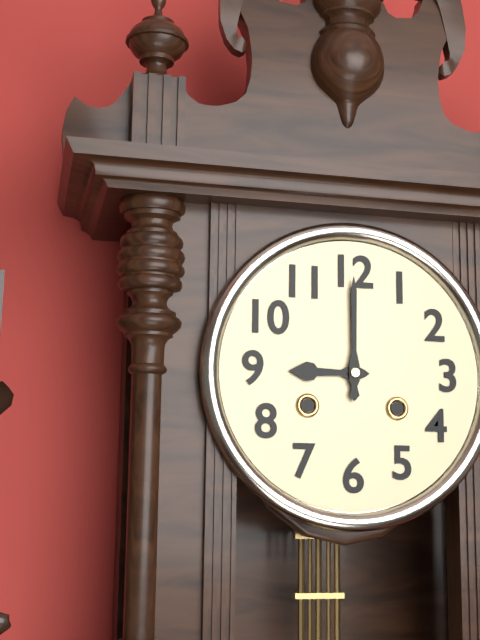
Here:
9 h 00 min
